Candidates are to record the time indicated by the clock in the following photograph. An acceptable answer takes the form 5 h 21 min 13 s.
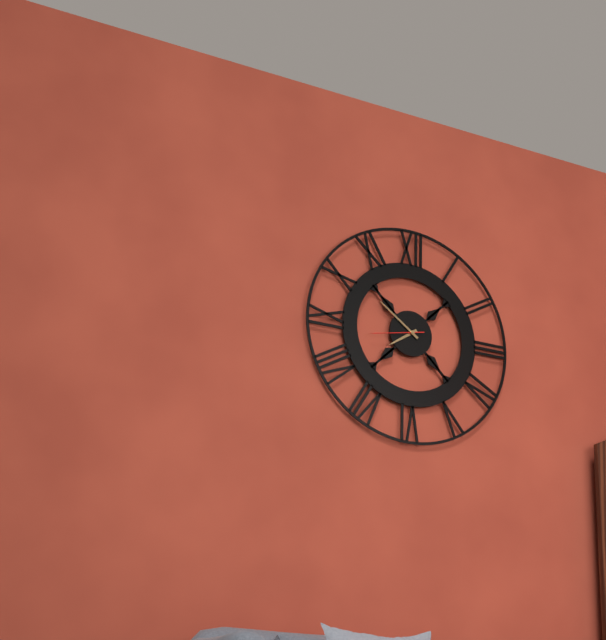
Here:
7 h 51 min 43 s
